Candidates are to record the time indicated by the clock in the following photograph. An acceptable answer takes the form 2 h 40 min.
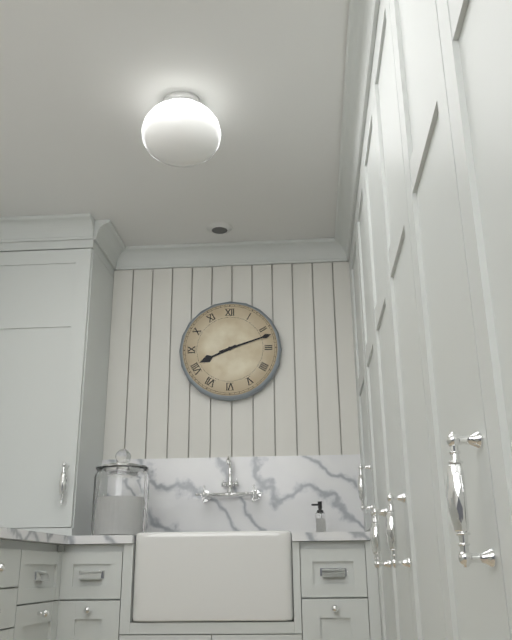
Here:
8 h 12 min
